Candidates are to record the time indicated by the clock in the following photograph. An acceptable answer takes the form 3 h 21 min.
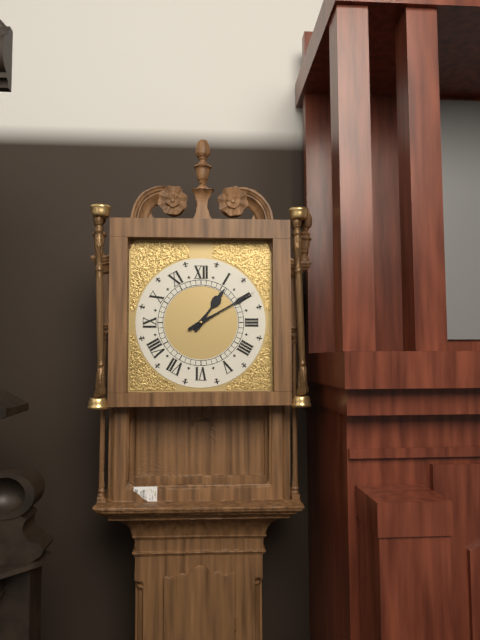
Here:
1 h 10 min
